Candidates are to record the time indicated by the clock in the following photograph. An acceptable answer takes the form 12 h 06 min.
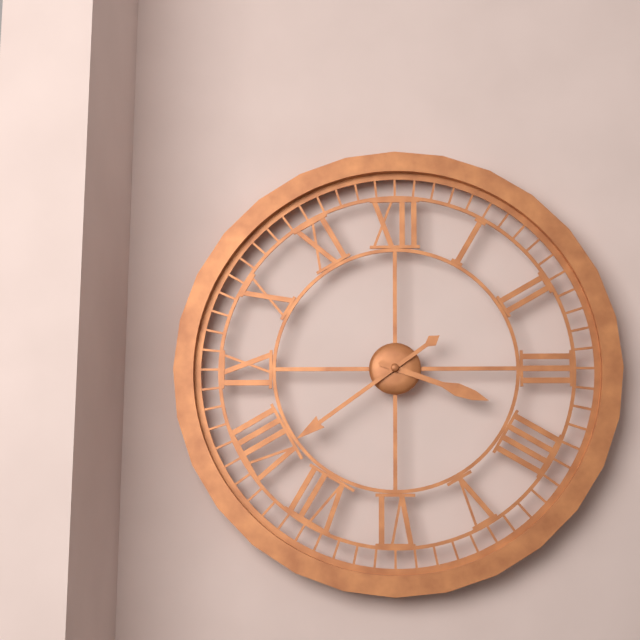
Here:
3 h 39 min
